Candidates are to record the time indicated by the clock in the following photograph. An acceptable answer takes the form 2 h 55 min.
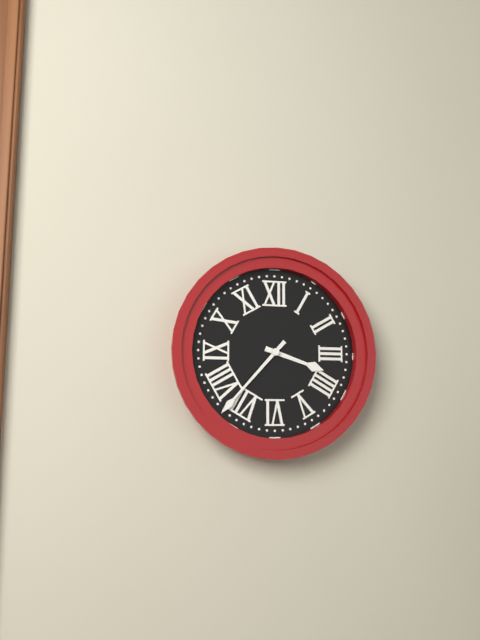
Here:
3 h 37 min
